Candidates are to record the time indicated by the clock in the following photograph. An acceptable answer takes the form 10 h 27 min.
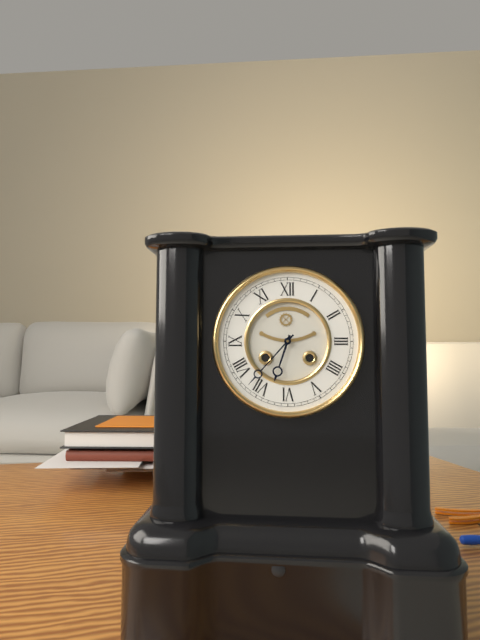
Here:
6 h 37 min
